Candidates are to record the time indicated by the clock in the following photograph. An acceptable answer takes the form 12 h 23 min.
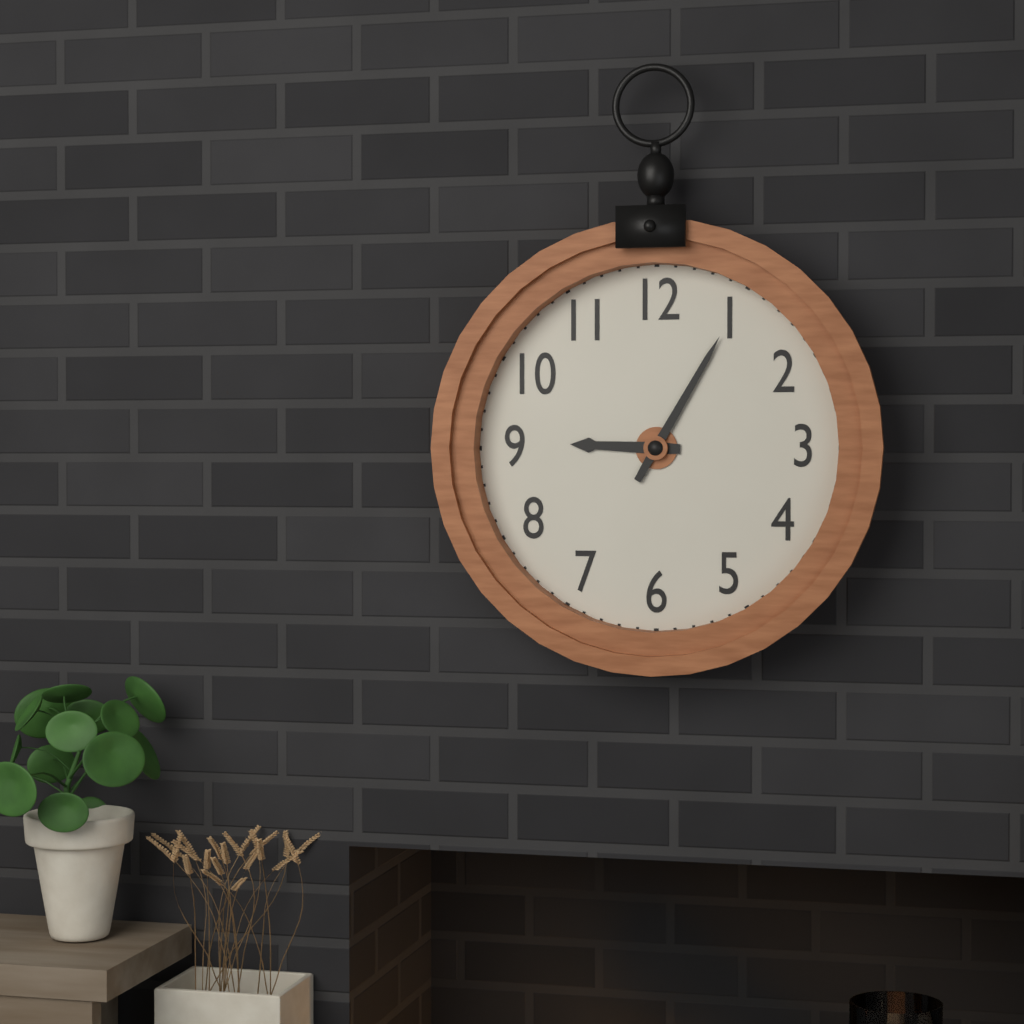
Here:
9 h 05 min
